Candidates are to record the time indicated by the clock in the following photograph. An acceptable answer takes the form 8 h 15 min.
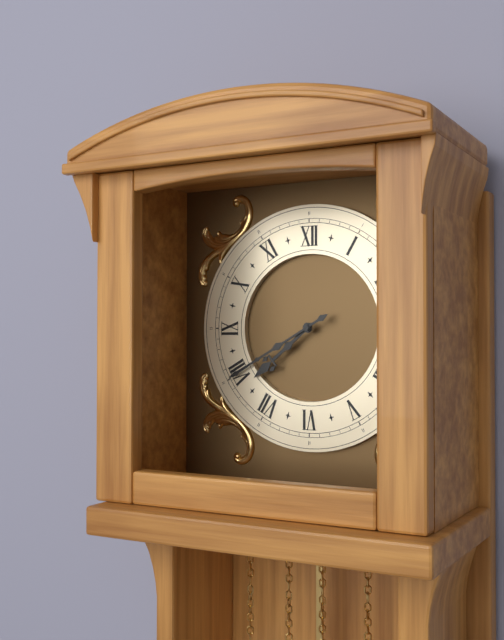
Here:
7 h 40 min
